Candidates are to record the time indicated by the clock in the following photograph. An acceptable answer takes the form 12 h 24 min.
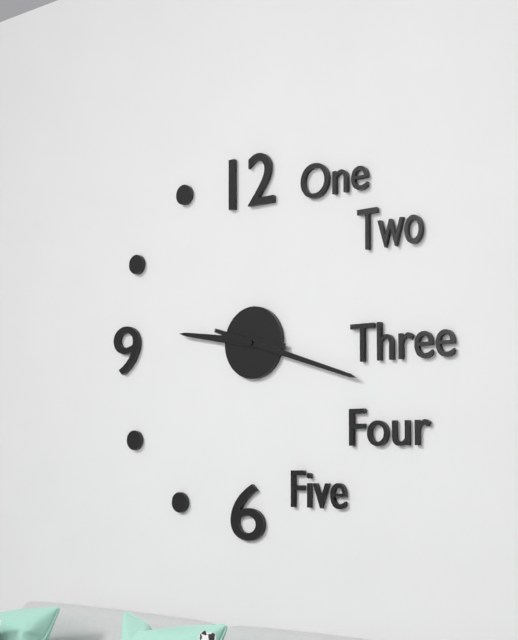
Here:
9 h 18 min
